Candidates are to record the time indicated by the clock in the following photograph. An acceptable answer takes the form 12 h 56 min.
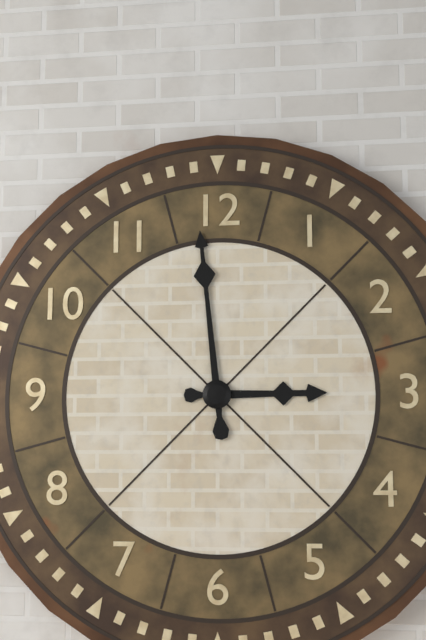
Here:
2 h 59 min
